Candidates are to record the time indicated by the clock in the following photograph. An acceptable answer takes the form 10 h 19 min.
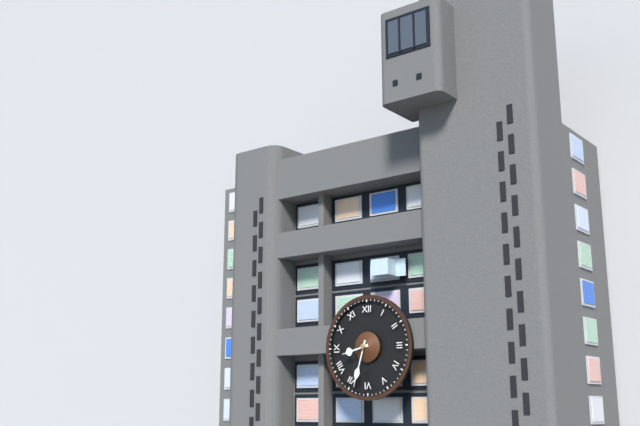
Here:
8 h 33 min
